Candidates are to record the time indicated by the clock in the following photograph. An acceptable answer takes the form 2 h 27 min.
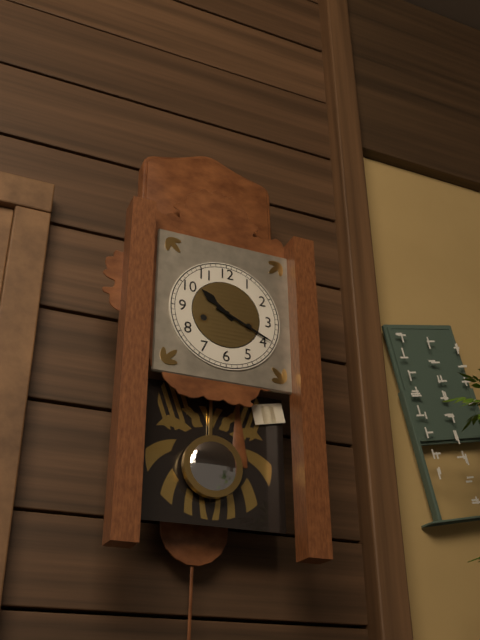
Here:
10 h 19 min
